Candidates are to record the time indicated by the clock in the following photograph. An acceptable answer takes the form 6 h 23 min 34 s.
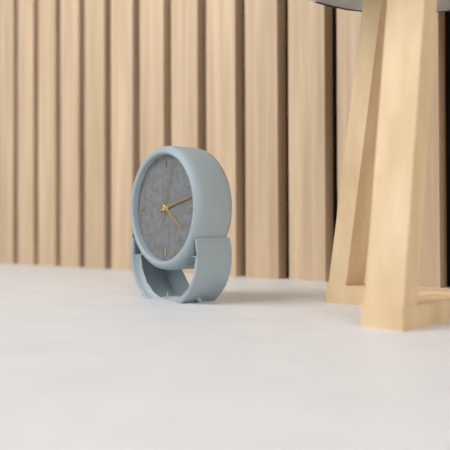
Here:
4 h 13 min 03 s
